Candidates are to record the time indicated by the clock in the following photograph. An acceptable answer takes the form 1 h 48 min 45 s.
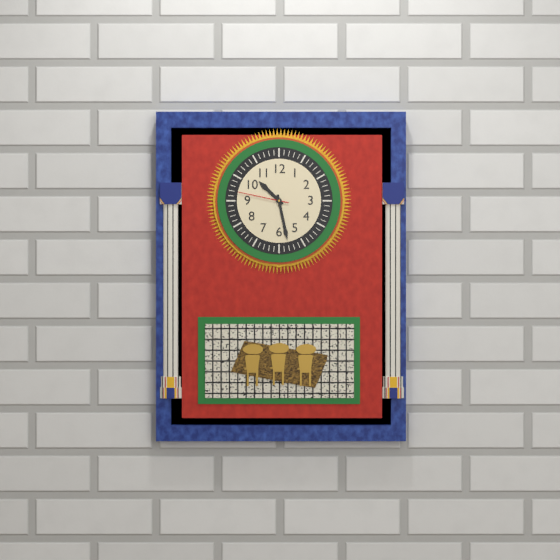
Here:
10 h 28 min 47 s
